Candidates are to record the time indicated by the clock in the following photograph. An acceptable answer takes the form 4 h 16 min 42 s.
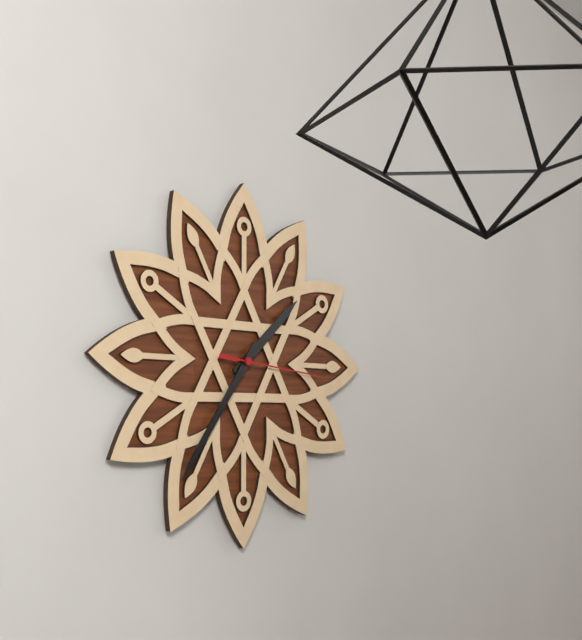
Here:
1 h 36 min 16 s
